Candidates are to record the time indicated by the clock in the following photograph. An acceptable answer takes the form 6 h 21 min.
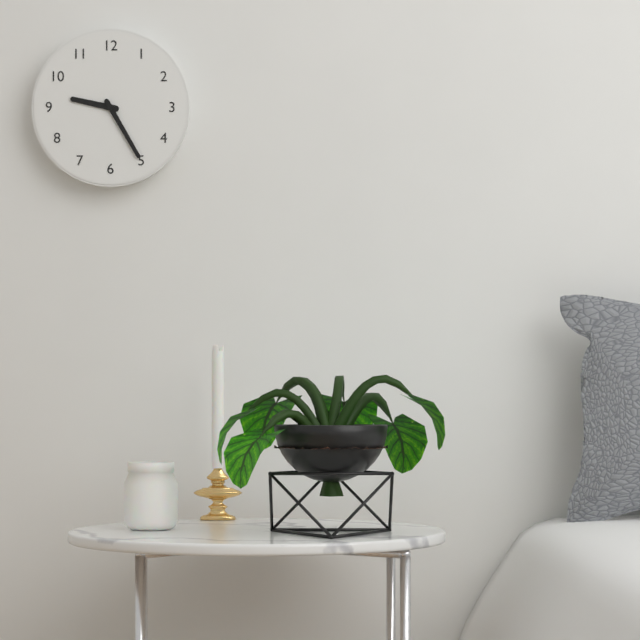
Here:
9 h 25 min
